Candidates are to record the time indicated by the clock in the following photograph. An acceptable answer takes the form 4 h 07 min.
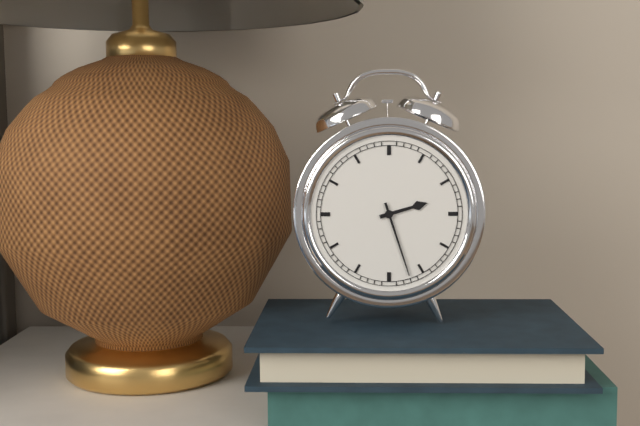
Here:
2 h 27 min
